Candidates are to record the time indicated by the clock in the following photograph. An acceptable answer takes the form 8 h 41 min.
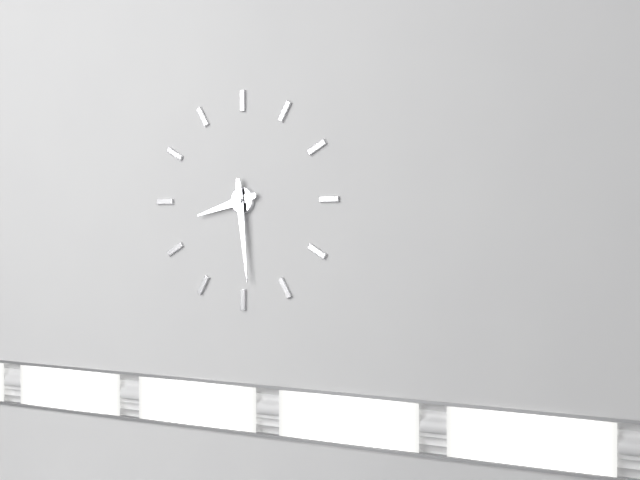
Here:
8 h 29 min
